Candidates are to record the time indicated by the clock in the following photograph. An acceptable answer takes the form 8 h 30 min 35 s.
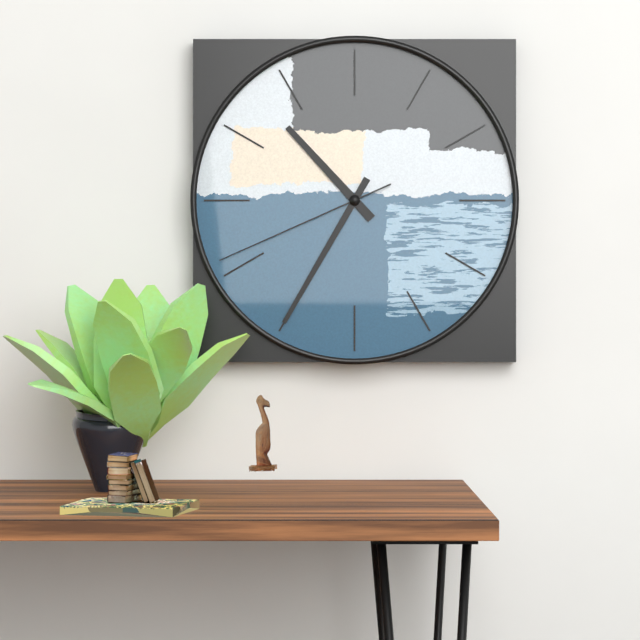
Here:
10 h 35 min 41 s
